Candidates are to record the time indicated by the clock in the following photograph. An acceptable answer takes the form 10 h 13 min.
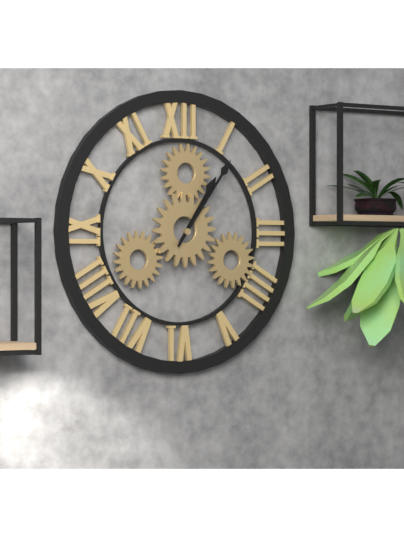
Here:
1 h 06 min
